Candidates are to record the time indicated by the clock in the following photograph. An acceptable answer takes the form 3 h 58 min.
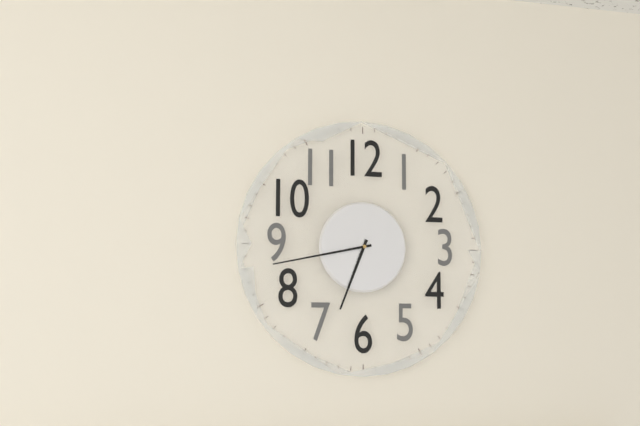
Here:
6 h 43 min
